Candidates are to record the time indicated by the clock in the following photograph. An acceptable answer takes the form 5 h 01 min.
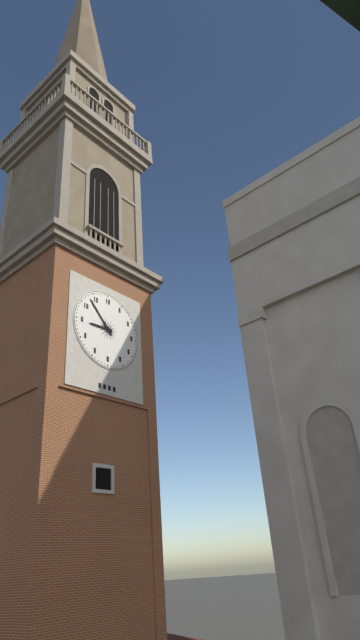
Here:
8 h 53 min
